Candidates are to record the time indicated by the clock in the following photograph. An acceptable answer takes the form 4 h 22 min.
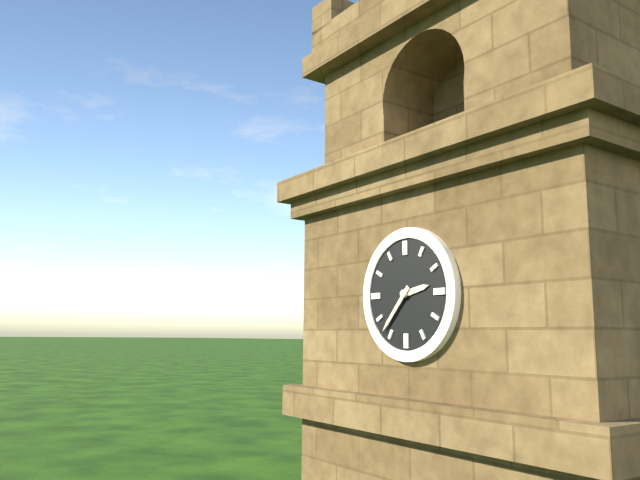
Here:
2 h 37 min
